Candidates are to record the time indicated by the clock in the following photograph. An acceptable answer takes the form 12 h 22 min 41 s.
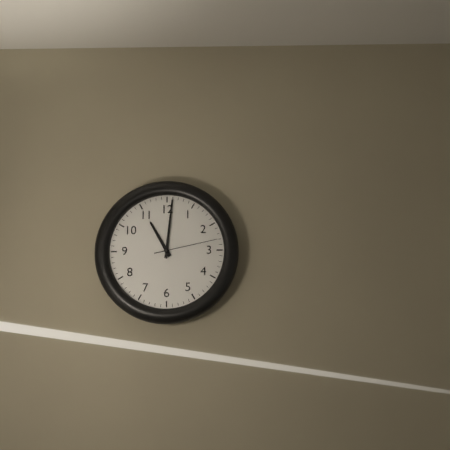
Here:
11 h 01 min 13 s
